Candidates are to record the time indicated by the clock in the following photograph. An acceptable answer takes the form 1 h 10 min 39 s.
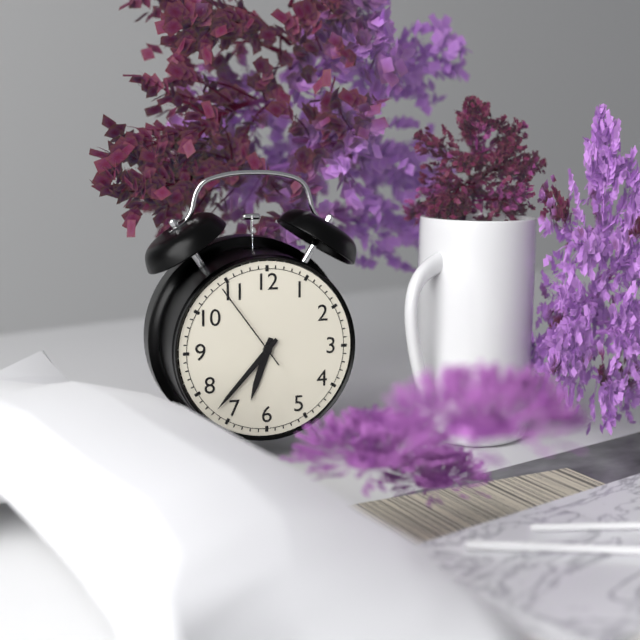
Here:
6 h 37 min 54 s
